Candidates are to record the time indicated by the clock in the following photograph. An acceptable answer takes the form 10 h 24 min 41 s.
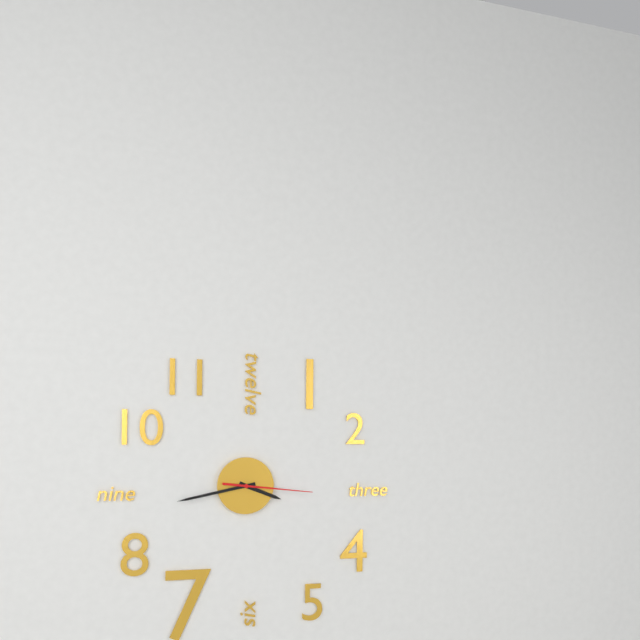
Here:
3 h 43 min 16 s
